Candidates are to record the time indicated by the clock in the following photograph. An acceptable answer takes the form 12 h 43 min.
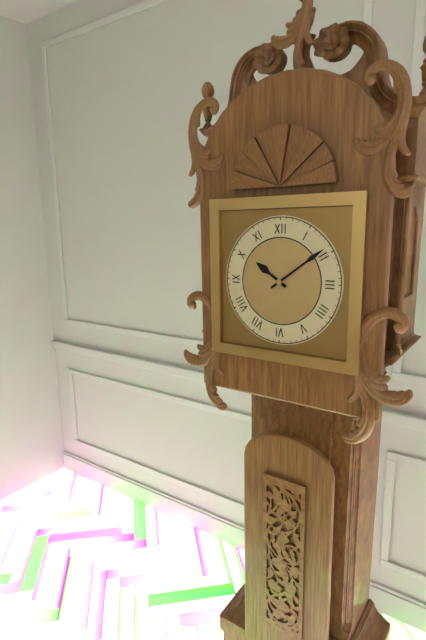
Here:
10 h 09 min
